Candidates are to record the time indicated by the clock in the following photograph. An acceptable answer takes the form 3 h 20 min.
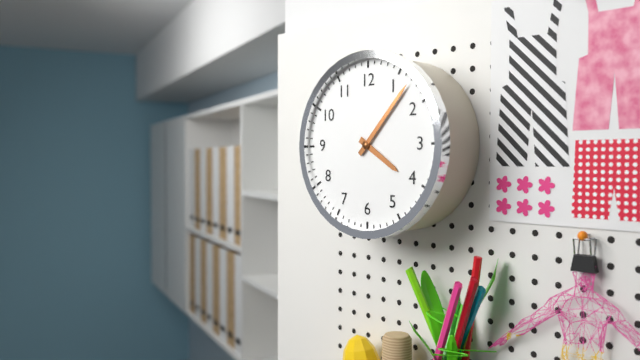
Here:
4 h 07 min
